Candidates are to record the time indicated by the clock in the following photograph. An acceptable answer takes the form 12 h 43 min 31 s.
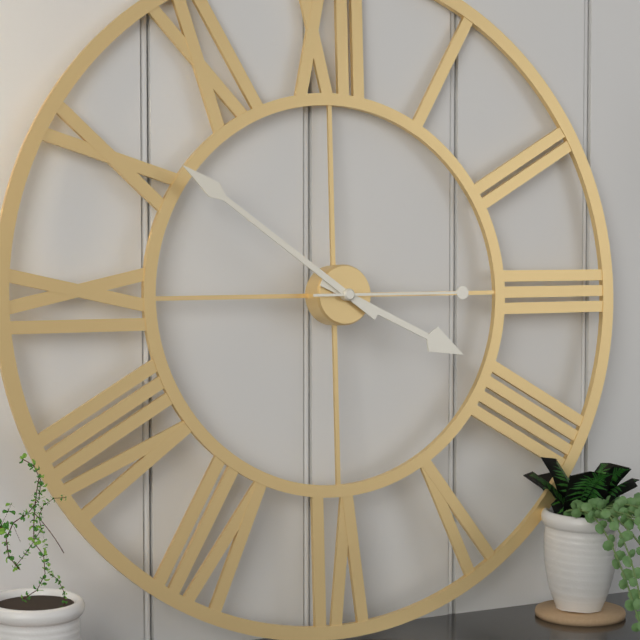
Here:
3 h 51 min 15 s
